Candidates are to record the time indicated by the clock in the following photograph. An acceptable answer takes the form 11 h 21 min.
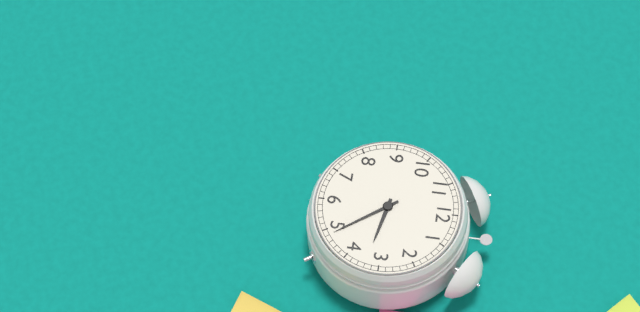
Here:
3 h 24 min
